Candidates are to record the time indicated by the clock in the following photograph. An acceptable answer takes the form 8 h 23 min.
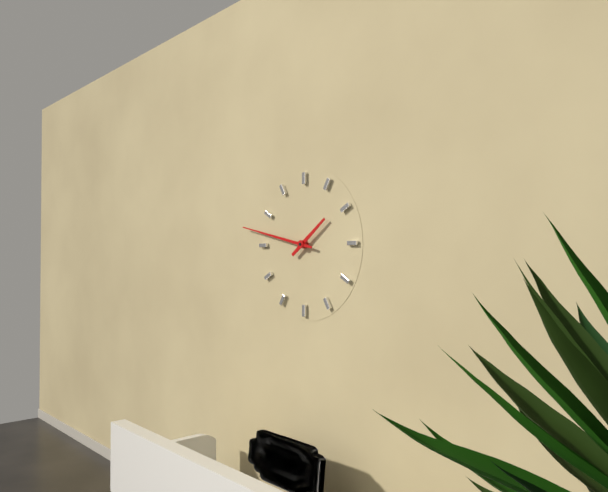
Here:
1 h 47 min
